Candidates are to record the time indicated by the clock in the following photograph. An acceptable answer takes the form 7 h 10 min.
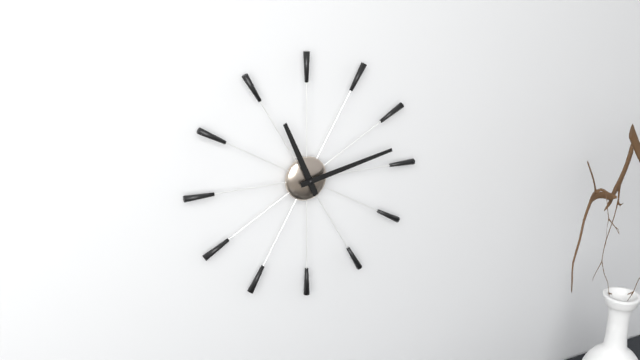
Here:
11 h 13 min
